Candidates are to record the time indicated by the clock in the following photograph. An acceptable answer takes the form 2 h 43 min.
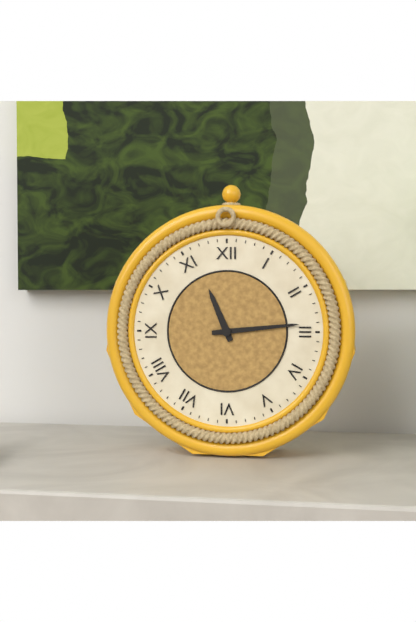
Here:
11 h 14 min
